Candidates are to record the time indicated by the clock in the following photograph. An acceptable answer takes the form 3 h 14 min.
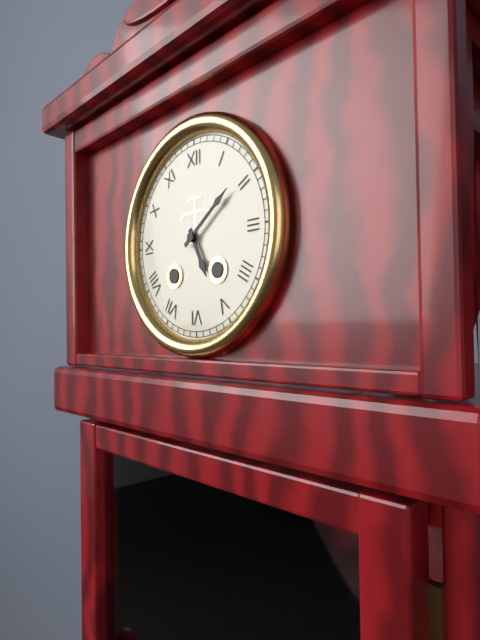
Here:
5 h 09 min
